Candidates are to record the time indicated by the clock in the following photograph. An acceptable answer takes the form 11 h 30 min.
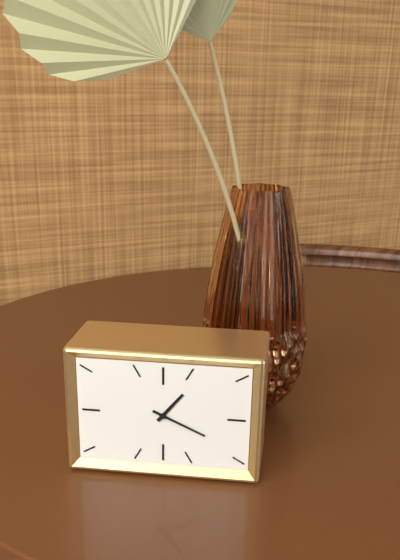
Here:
1 h 19 min
